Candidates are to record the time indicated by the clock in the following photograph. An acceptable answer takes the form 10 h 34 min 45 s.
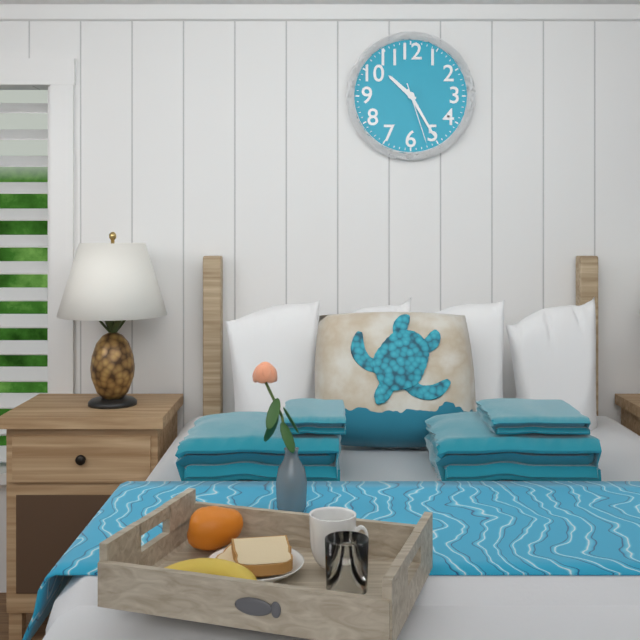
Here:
10 h 25 min 27 s
